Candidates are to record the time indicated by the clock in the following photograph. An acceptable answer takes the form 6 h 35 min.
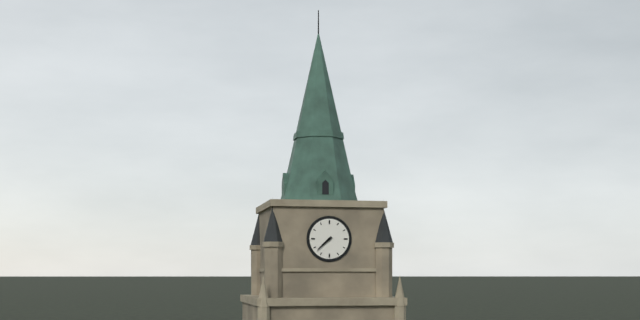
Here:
7 h 38 min
